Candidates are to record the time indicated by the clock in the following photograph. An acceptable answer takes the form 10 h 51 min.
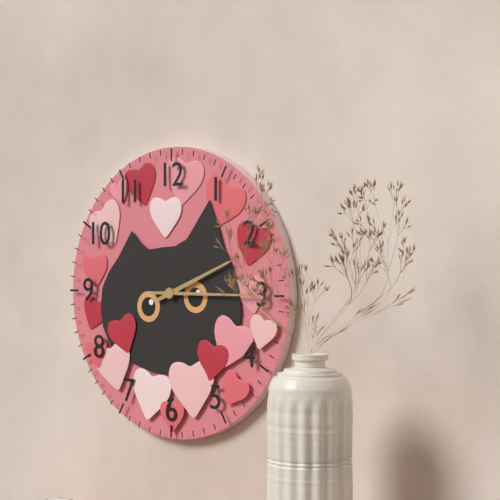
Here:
2 h 15 min
